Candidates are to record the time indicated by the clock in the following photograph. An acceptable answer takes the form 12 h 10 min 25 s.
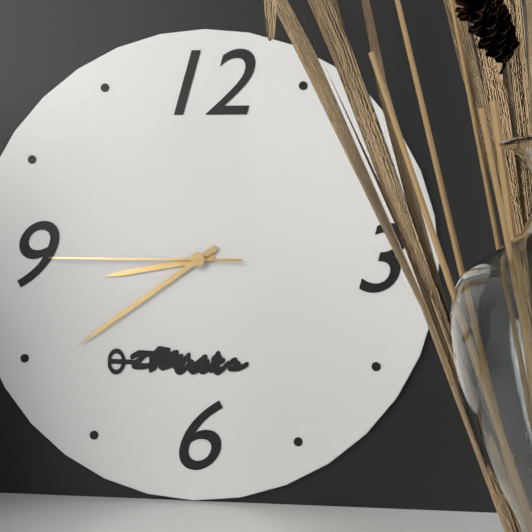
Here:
8 h 39 min 45 s
